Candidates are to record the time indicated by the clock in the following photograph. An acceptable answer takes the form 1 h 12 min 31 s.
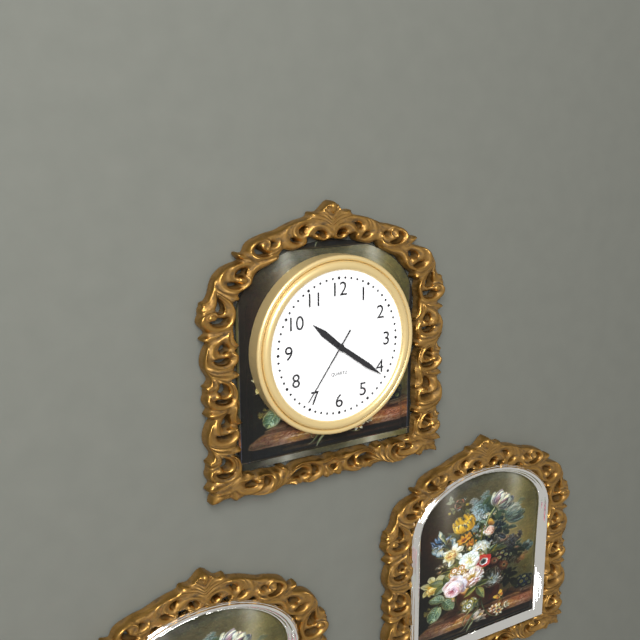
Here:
10 h 21 min 36 s
